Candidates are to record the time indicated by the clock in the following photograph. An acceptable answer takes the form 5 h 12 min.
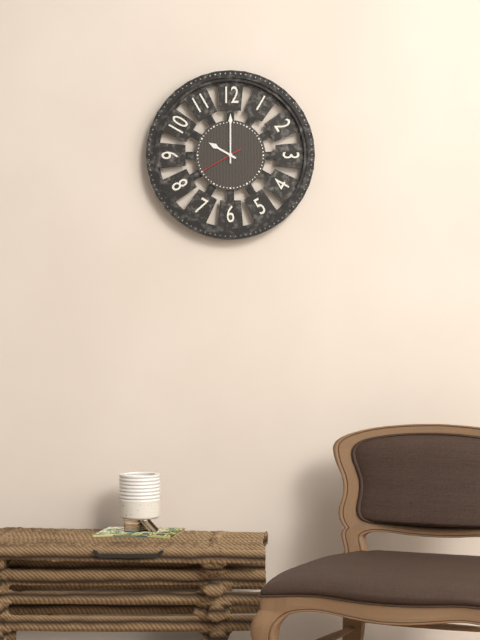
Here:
10 h 00 min
